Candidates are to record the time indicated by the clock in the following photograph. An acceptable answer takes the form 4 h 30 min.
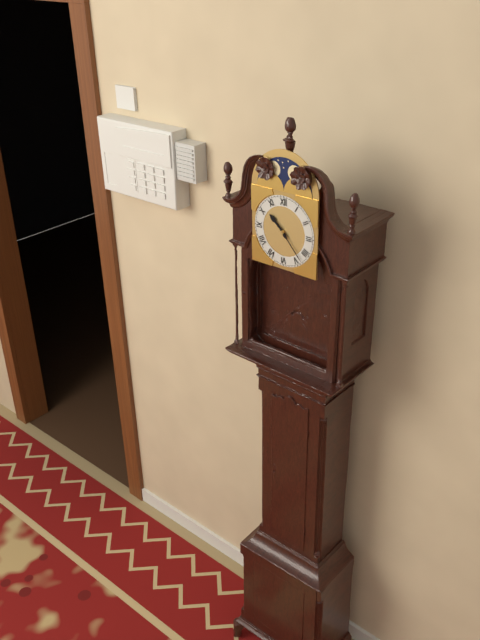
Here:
10 h 23 min
